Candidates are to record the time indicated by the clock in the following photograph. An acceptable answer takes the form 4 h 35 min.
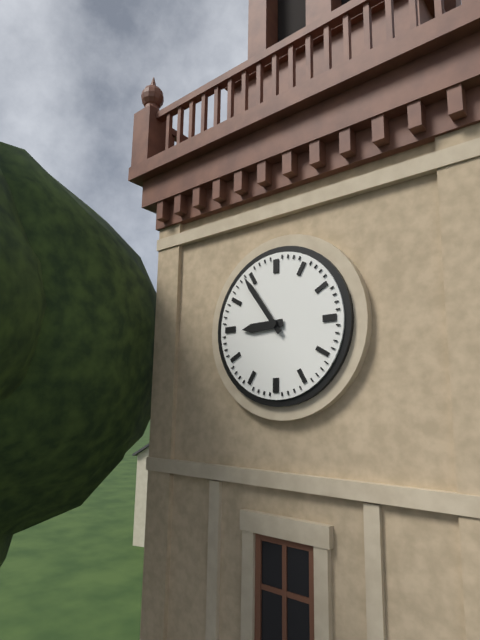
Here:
8 h 54 min
